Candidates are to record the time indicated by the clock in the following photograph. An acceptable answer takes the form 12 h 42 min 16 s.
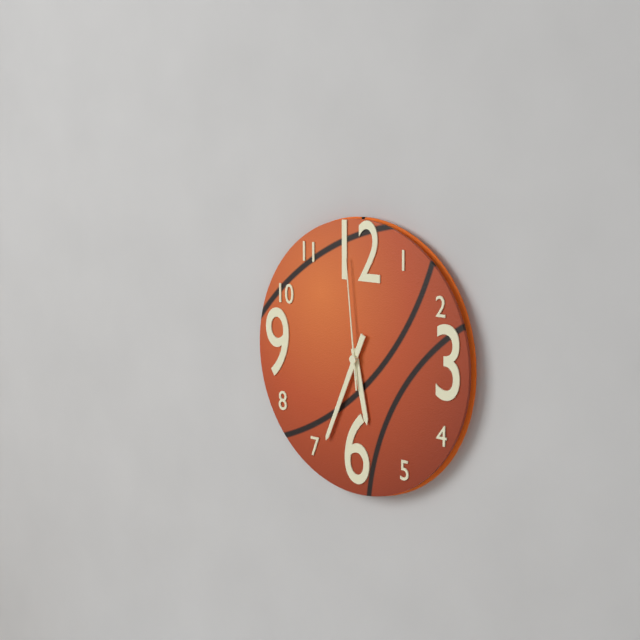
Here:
5 h 34 min 59 s
